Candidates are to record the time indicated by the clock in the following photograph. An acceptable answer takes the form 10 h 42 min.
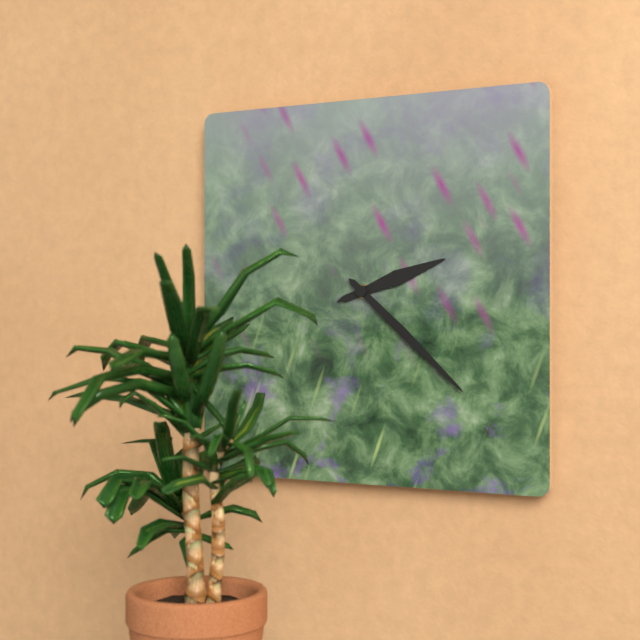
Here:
2 h 22 min
